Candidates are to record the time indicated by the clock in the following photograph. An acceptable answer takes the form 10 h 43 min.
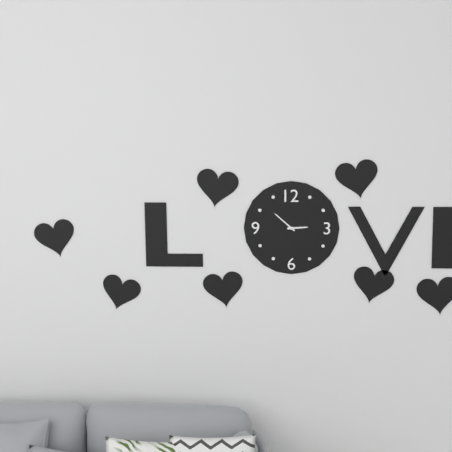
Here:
2 h 52 min
